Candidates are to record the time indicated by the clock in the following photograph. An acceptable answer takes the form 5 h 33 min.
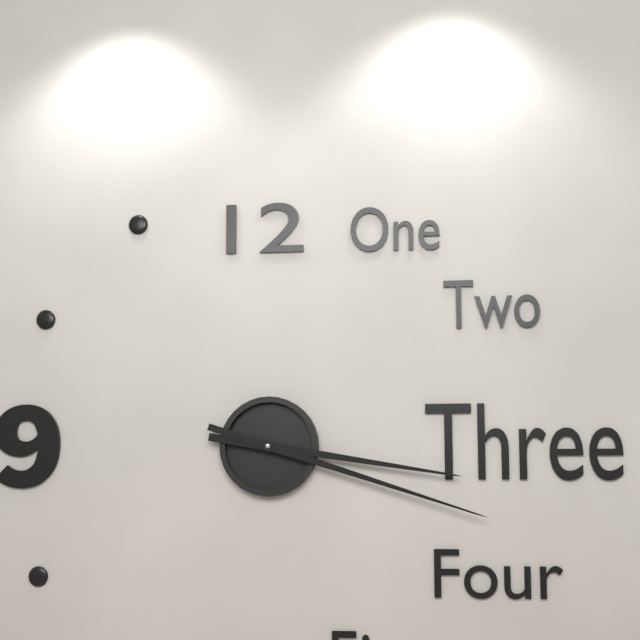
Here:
3 h 18 min
